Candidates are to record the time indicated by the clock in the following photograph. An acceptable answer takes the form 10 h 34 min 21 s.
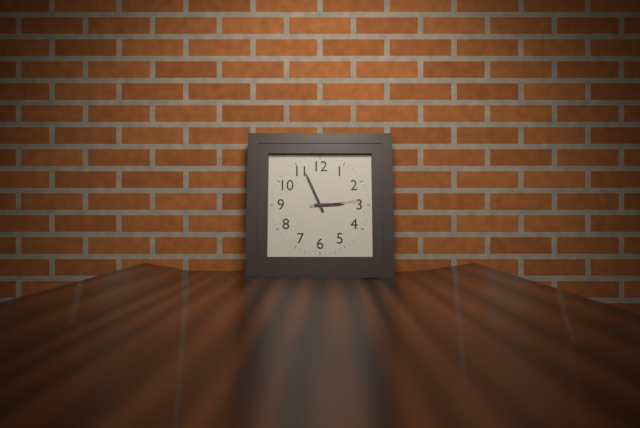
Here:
2 h 56 min 14 s
